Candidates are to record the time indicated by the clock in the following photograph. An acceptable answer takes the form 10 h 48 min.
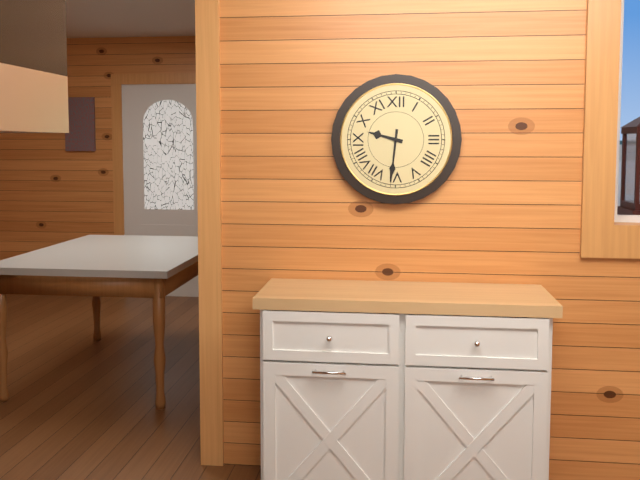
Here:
9 h 31 min
